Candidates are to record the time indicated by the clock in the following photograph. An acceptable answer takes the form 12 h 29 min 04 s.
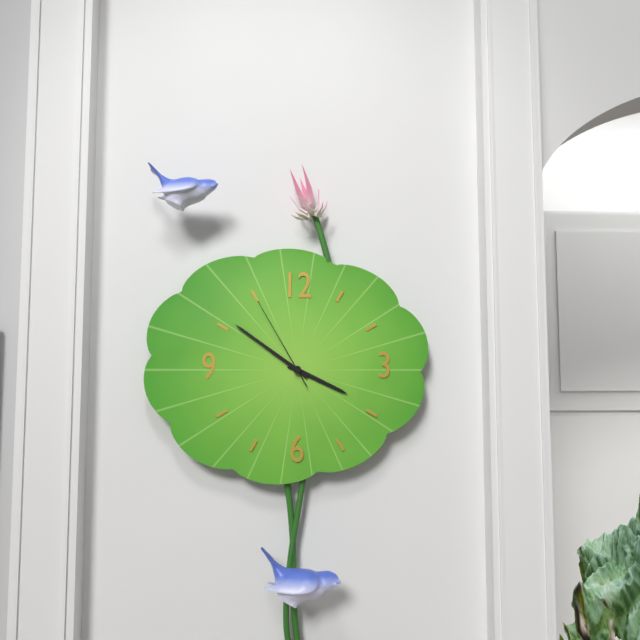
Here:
3 h 51 min 55 s
